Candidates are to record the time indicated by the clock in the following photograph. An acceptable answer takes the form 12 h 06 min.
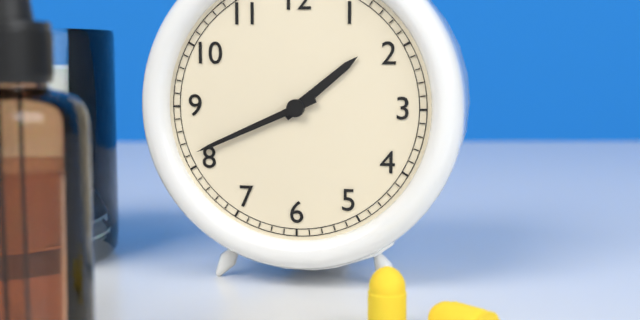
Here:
1 h 41 min
